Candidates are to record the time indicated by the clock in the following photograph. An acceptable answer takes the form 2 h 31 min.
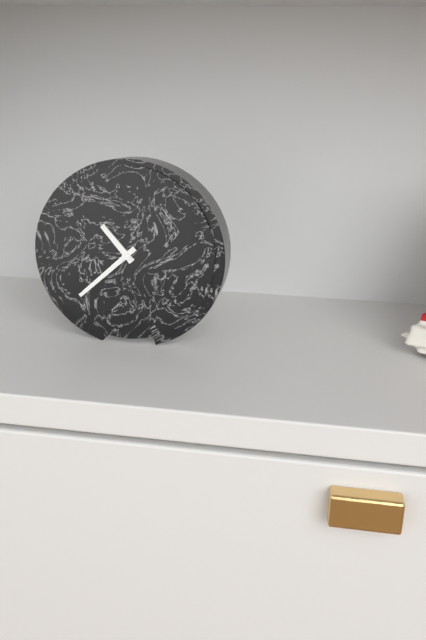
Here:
10 h 38 min
